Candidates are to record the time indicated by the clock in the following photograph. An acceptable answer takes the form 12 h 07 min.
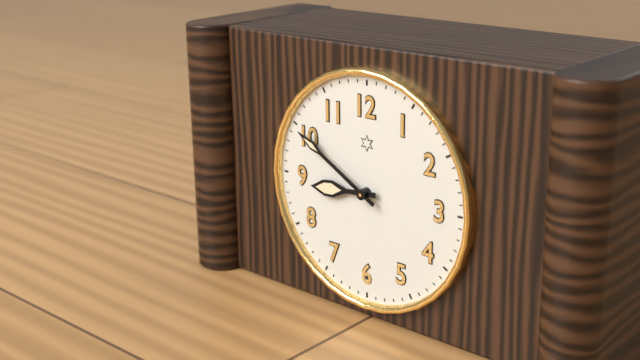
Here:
8 h 50 min
